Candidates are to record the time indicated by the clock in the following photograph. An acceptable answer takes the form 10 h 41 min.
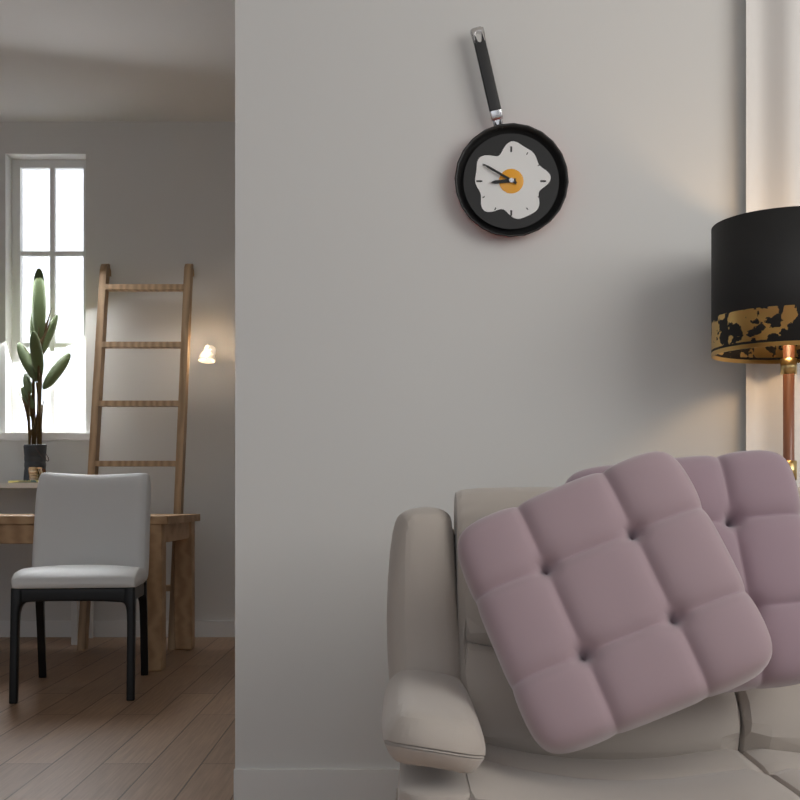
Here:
8 h 50 min
